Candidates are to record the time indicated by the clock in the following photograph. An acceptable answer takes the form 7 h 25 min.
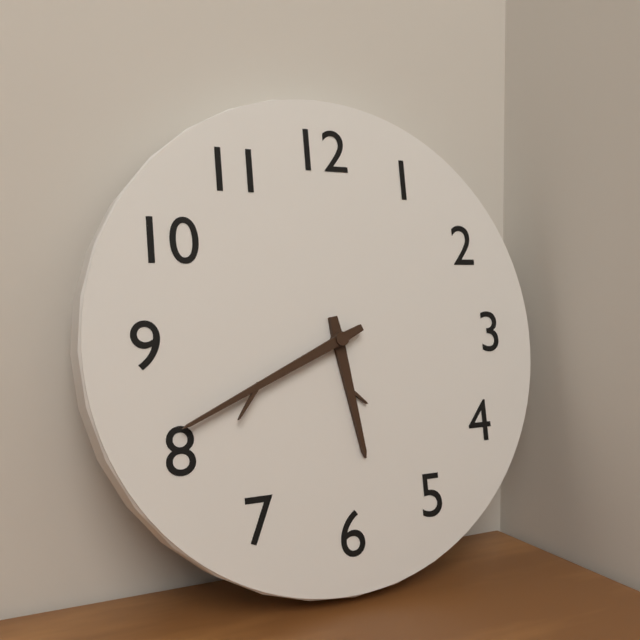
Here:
5 h 41 min
